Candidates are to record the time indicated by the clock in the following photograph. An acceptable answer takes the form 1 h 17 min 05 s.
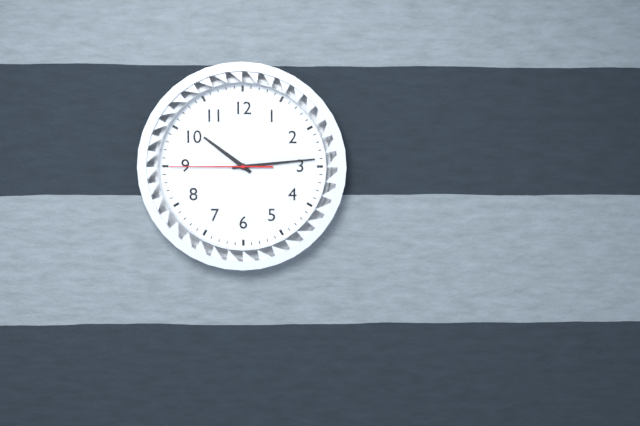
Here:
10 h 14 min 45 s
